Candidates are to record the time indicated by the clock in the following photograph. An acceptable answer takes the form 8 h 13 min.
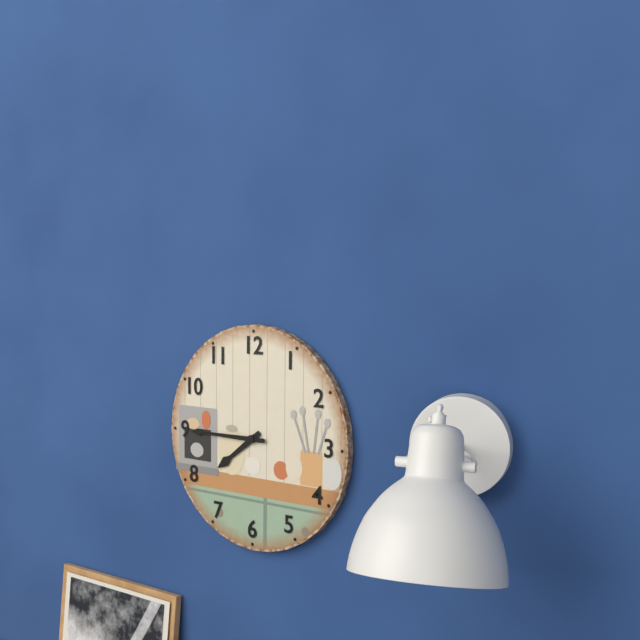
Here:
7 h 45 min
